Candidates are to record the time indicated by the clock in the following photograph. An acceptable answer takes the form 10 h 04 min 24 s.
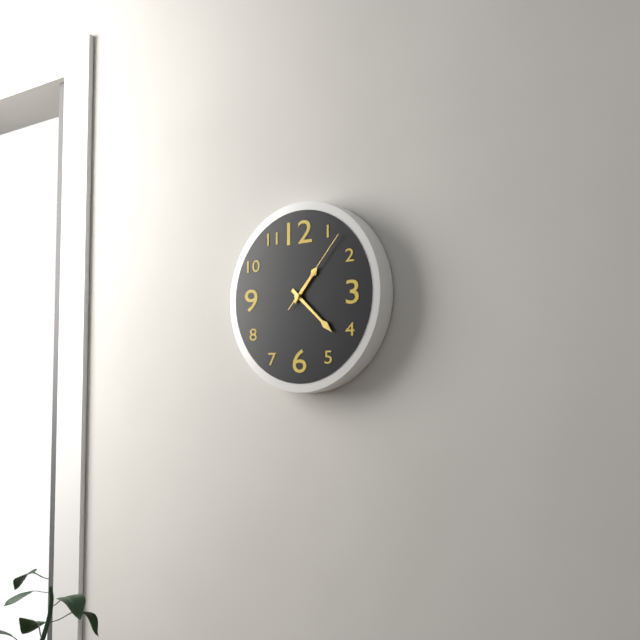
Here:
1 h 22 min 07 s
